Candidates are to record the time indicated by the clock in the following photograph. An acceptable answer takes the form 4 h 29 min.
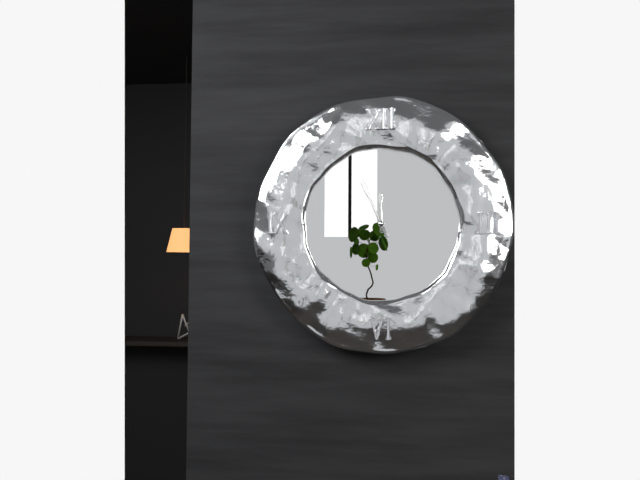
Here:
11 h 56 min
